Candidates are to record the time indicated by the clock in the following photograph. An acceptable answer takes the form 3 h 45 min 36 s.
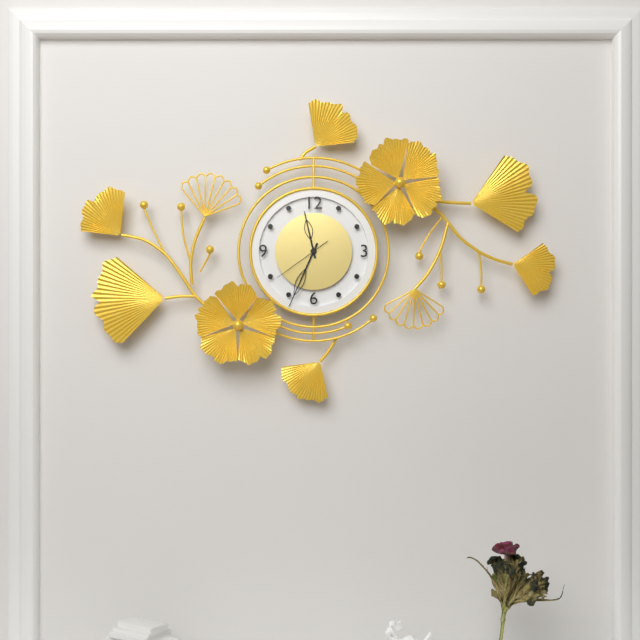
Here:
11 h 34 min 39 s
